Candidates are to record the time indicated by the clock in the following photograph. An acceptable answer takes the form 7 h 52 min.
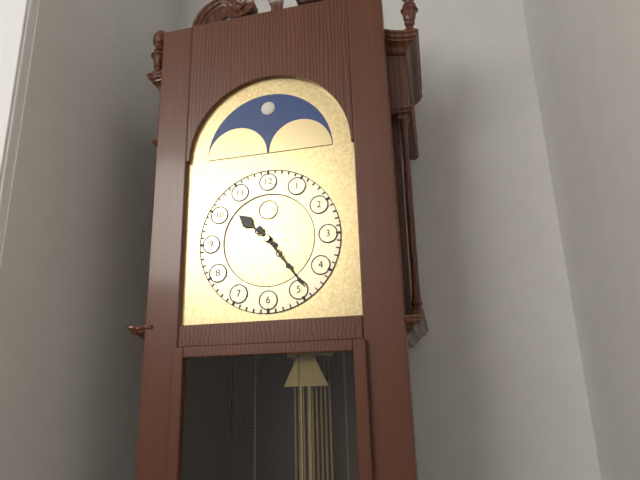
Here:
10 h 24 min
